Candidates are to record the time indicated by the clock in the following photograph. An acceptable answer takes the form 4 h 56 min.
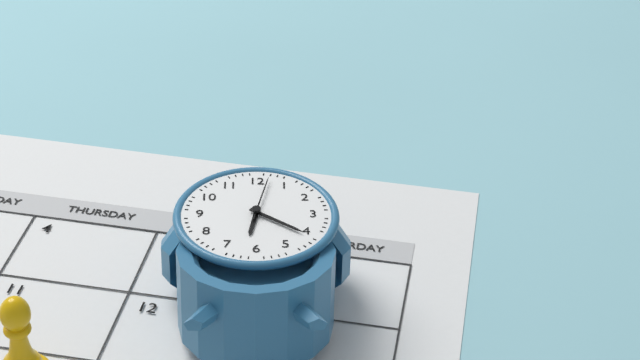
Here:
6 h 21 min
